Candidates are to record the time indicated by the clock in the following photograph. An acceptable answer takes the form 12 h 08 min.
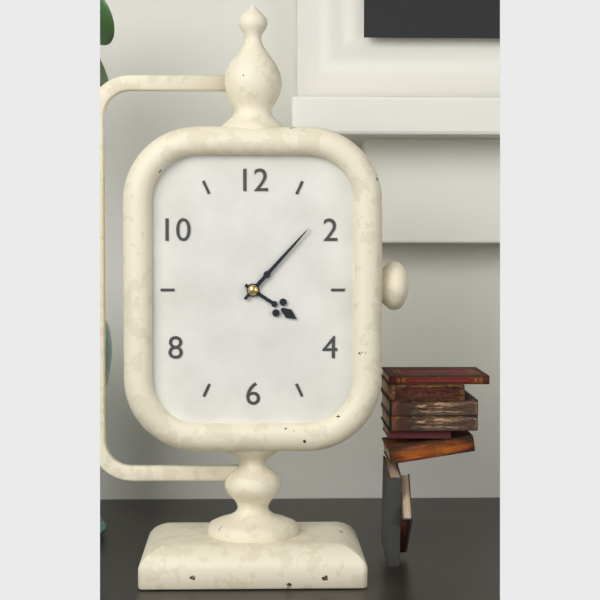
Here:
4 h 07 min
